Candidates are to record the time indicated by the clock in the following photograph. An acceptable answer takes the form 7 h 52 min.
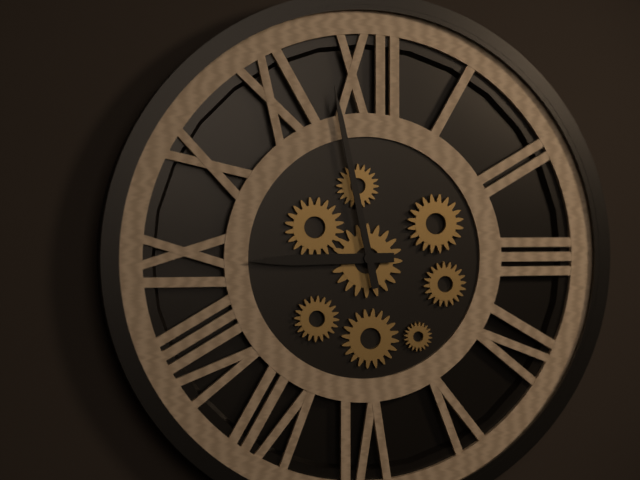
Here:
8 h 58 min
